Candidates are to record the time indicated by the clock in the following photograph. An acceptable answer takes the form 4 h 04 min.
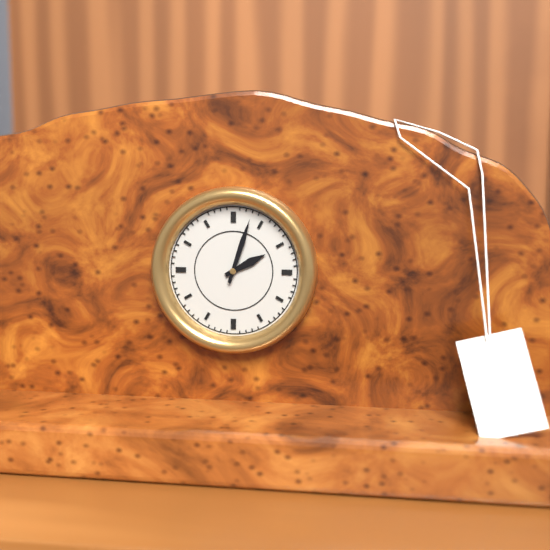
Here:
2 h 03 min
